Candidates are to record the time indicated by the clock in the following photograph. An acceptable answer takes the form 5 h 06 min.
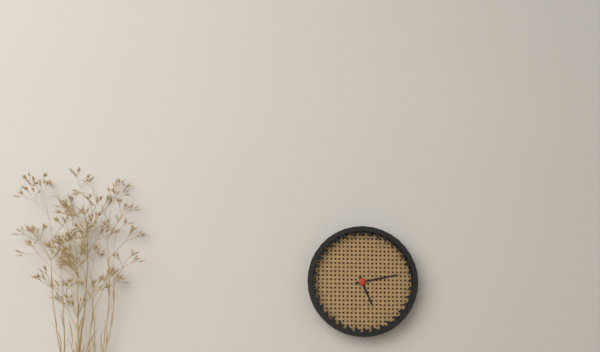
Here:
5 h 13 min
